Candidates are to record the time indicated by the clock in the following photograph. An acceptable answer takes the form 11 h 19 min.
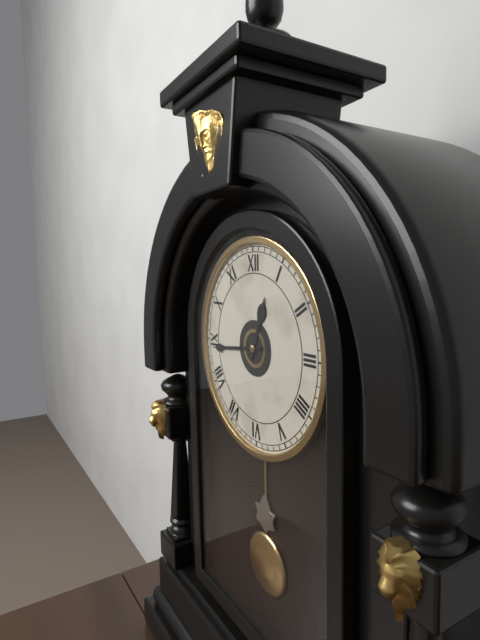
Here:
12 h 44 min
